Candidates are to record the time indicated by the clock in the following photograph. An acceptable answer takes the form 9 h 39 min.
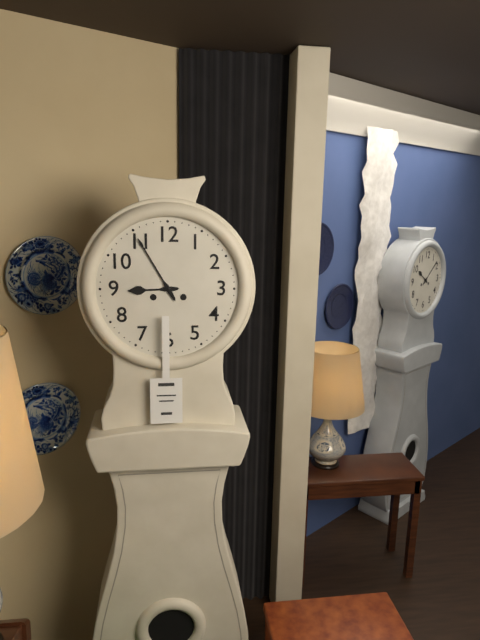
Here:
8 h 55 min
